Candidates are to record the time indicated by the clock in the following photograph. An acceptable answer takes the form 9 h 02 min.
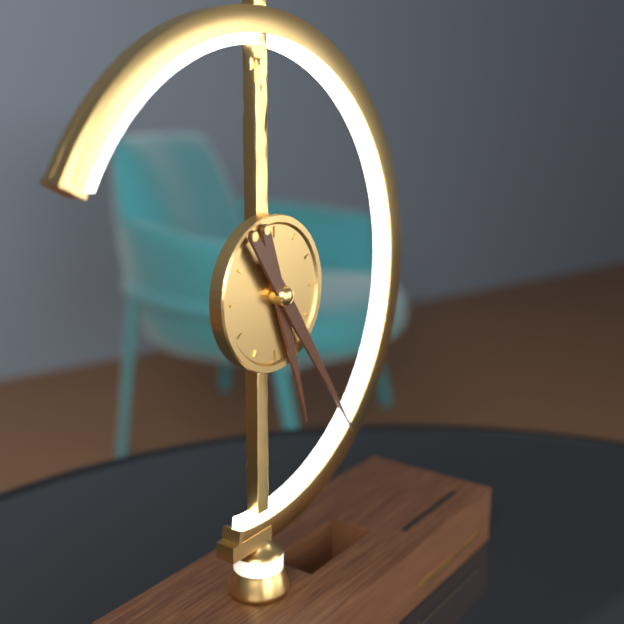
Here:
5 h 24 min
